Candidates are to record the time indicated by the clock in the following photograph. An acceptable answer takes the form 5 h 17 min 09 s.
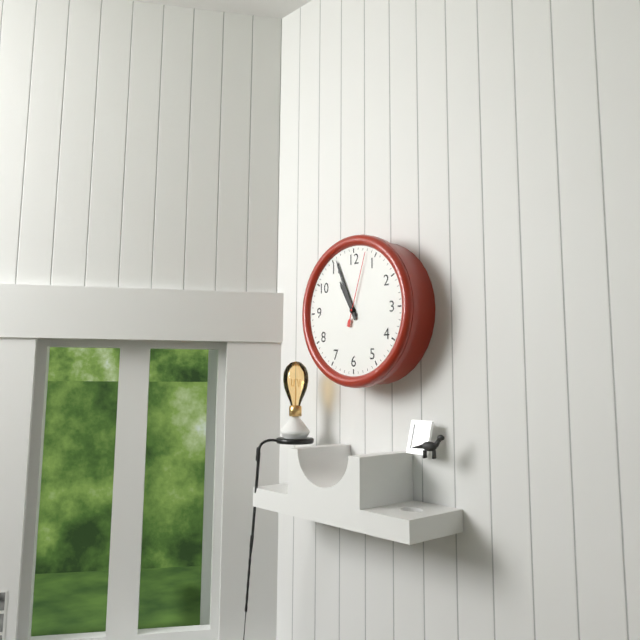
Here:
10 h 56 min 03 s
